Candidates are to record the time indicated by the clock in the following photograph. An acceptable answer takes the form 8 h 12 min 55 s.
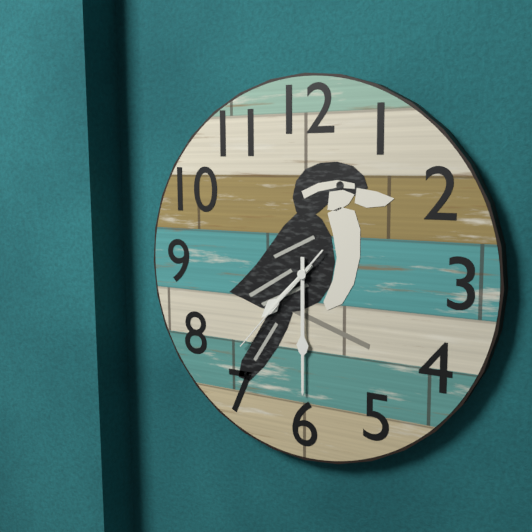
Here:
7 h 30 min 37 s
